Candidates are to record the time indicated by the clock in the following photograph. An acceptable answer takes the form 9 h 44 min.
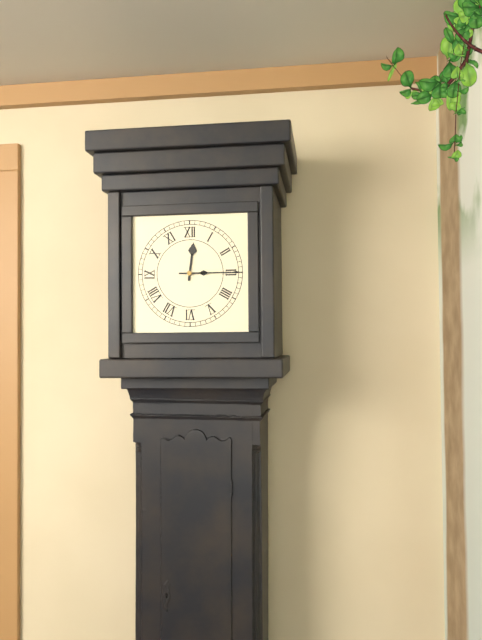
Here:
12 h 15 min
